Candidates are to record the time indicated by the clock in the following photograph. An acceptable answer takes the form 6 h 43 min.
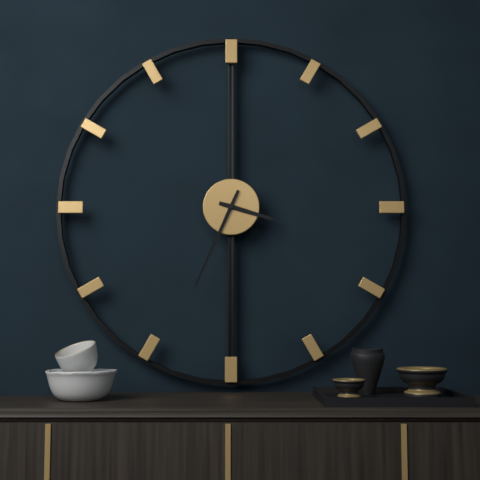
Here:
3 h 34 min
